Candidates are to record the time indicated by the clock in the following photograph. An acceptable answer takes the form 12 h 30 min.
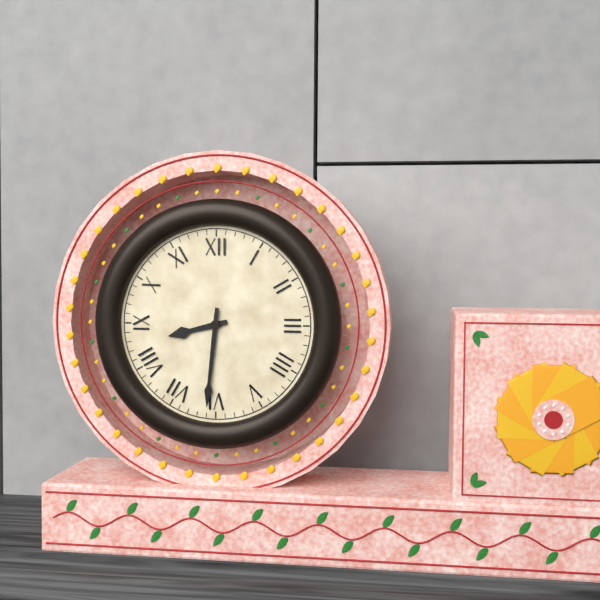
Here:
8 h 31 min
